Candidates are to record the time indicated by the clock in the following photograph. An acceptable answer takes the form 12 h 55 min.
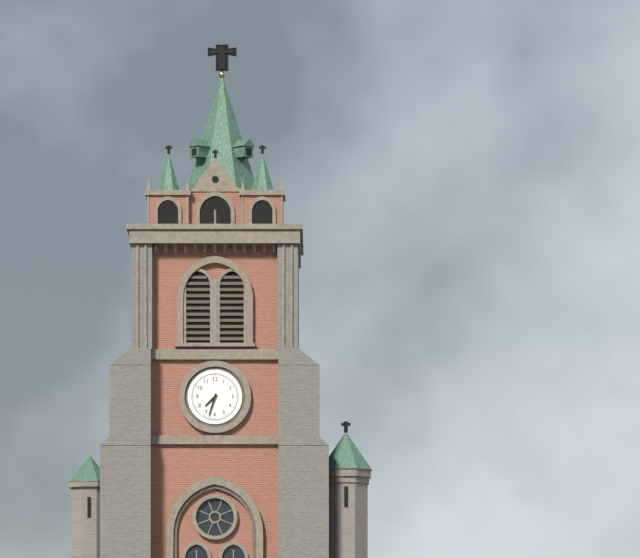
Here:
7 h 33 min
